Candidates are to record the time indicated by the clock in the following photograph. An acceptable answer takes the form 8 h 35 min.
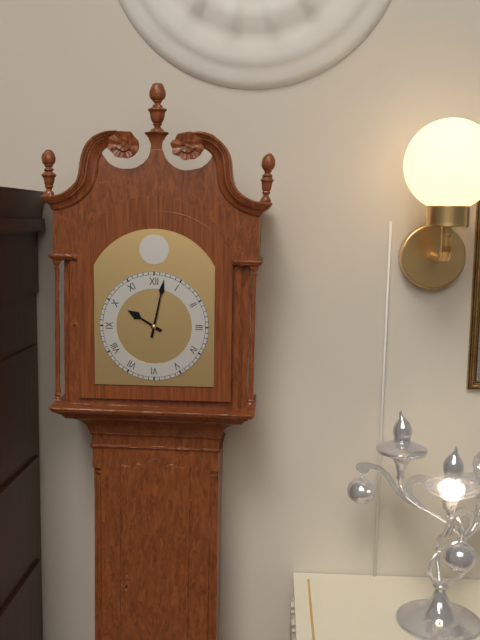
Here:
10 h 02 min
